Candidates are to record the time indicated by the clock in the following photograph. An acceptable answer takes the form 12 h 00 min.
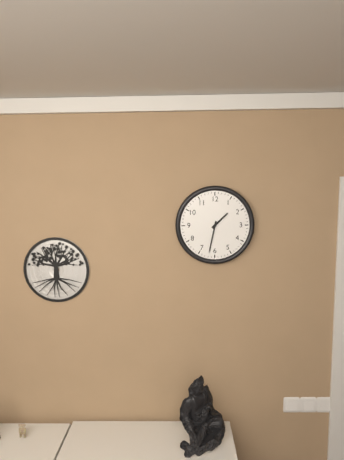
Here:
1 h 32 min
